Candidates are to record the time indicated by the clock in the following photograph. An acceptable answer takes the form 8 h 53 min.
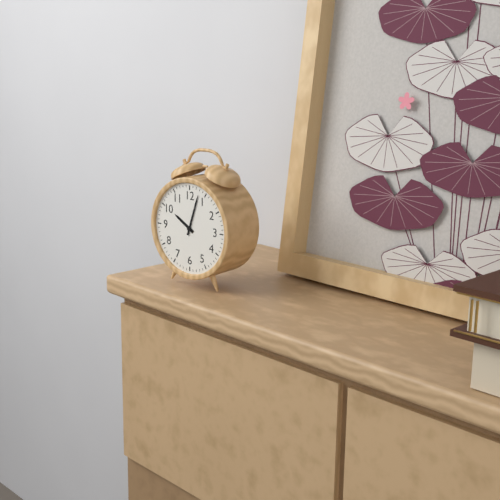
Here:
10 h 03 min
